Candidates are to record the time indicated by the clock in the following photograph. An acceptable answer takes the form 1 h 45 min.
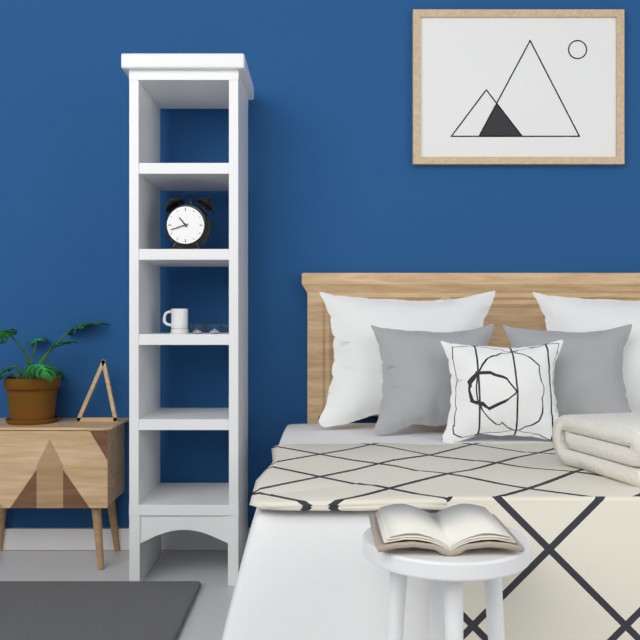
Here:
10 h 42 min
